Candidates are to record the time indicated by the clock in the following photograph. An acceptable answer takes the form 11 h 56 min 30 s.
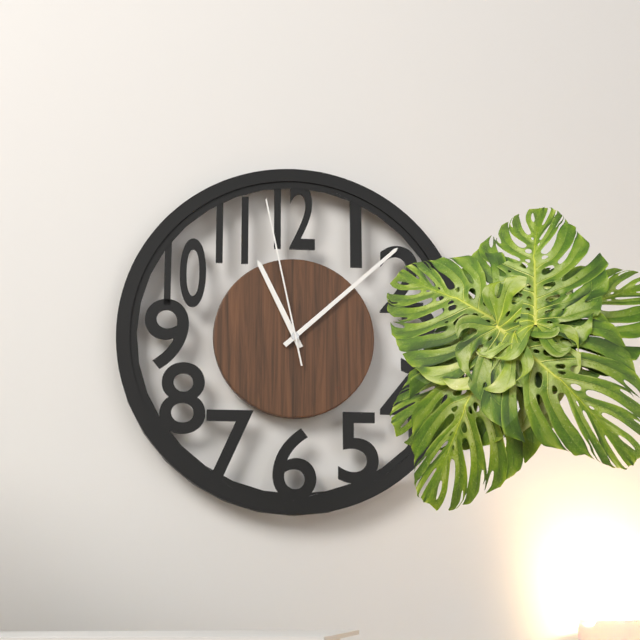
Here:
11 h 08 min 58 s
